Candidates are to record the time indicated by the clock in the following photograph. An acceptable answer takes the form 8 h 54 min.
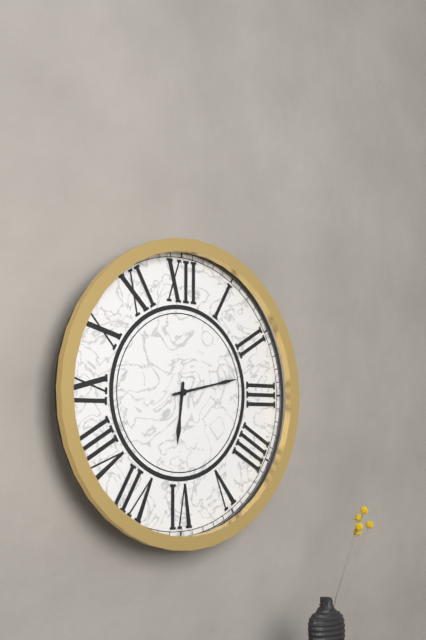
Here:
6 h 13 min
